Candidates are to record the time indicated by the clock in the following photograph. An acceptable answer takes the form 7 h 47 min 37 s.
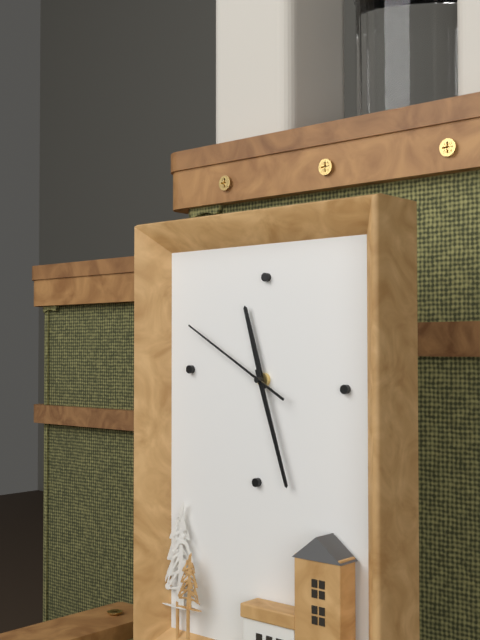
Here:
11 h 27 min 50 s
